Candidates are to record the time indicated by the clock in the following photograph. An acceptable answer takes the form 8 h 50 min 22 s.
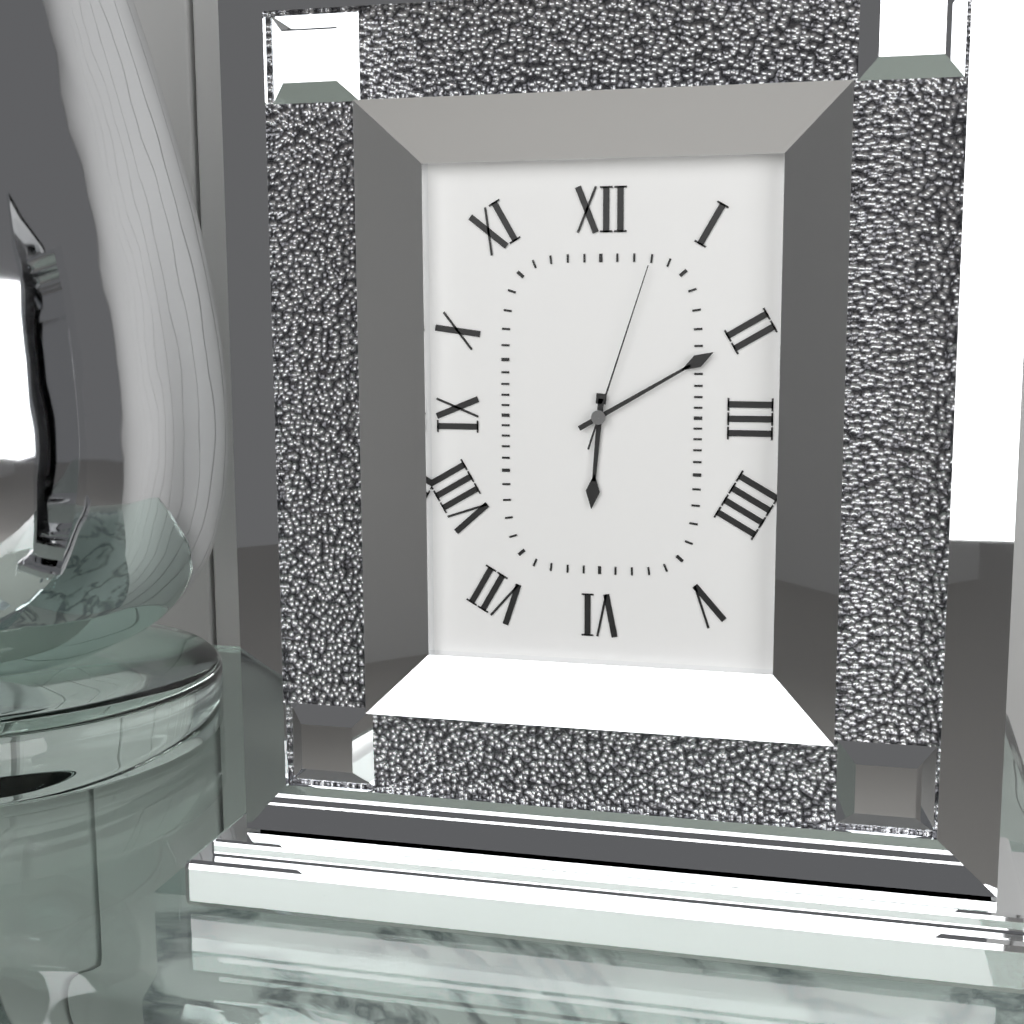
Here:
6 h 10 min 03 s
